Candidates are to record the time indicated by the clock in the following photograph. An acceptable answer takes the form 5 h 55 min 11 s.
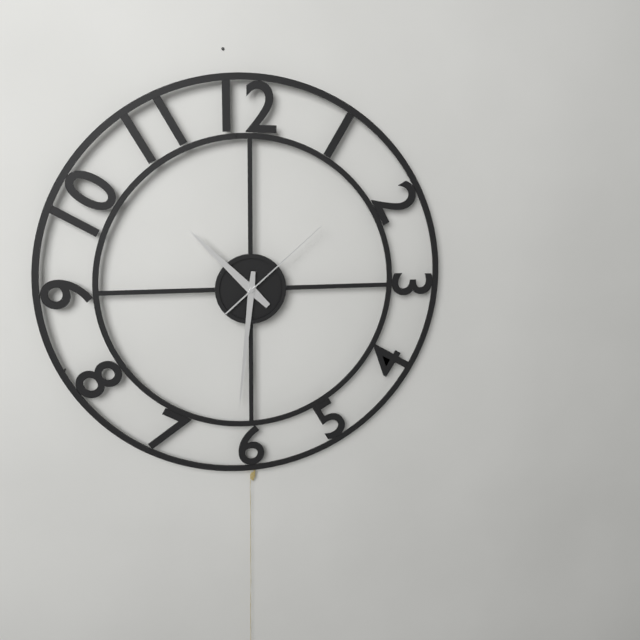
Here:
10 h 31 min 08 s
